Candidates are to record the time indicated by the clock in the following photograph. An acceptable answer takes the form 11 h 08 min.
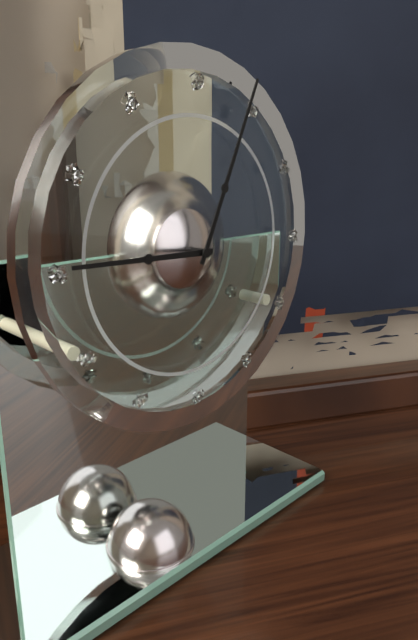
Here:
9 h 04 min
